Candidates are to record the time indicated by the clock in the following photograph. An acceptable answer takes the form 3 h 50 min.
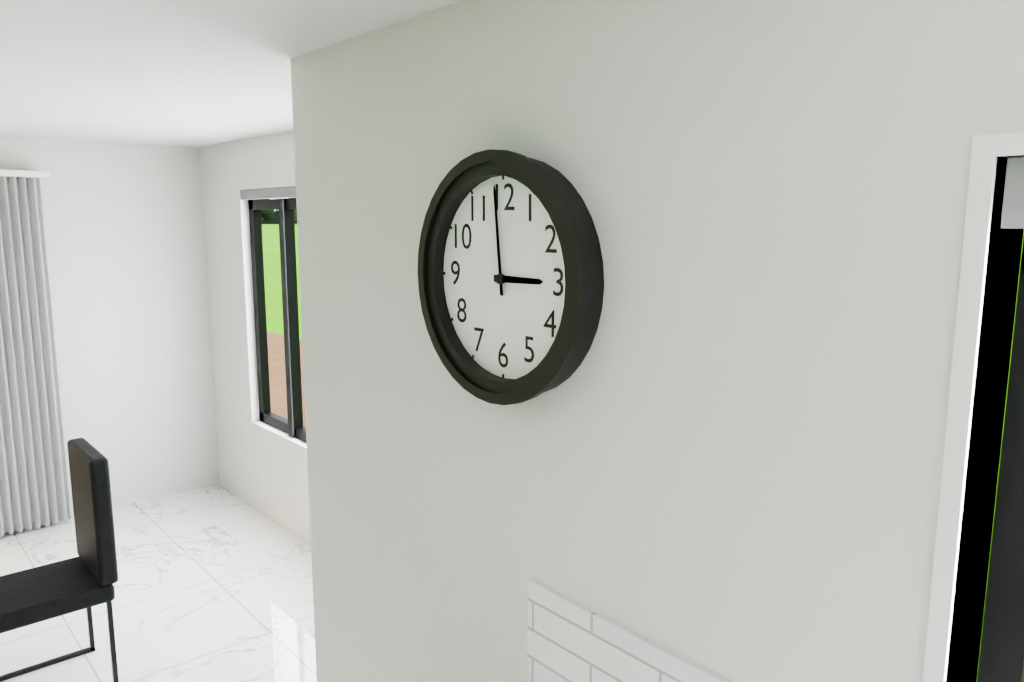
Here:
2 h 59 min
